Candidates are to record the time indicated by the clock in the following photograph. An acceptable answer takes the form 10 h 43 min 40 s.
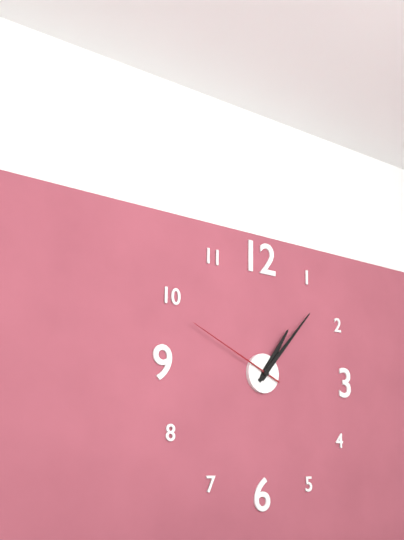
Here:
1 h 07 min 49 s
